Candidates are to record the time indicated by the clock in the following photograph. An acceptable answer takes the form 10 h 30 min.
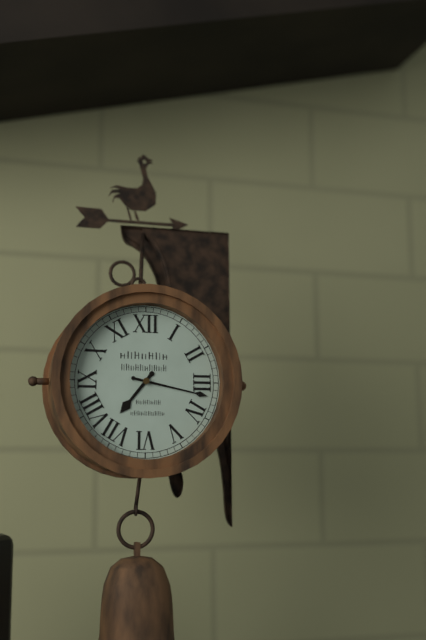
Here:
7 h 17 min
